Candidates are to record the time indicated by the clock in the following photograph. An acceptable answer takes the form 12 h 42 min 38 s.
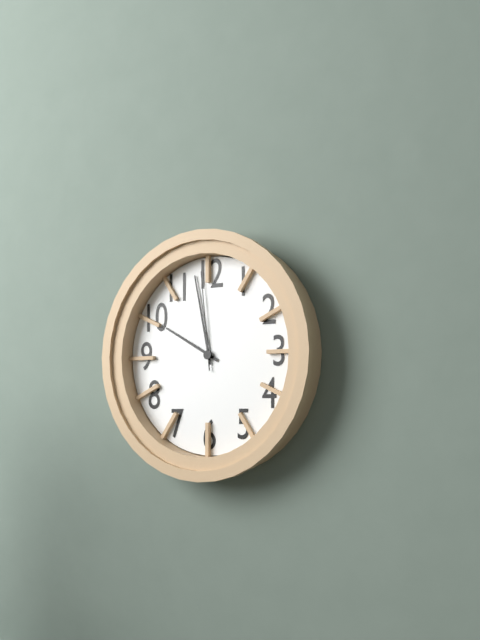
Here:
9 h 58 min 59 s
